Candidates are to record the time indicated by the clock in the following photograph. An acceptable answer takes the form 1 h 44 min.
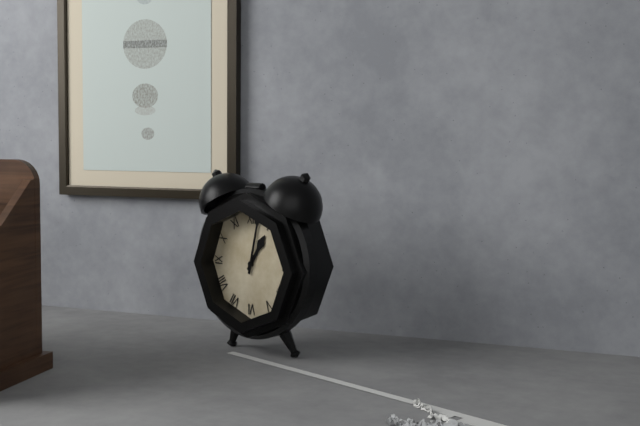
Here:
1 h 02 min
